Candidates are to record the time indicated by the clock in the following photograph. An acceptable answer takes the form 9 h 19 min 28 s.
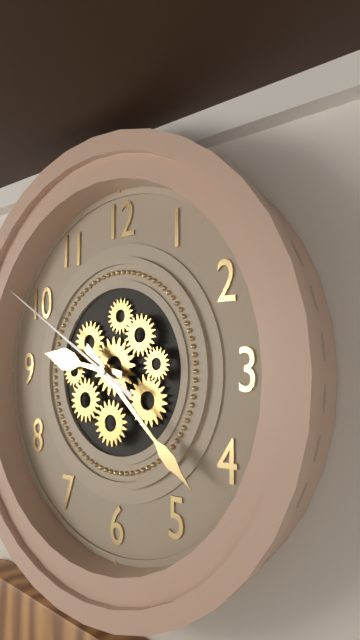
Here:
9 h 22 min 50 s
